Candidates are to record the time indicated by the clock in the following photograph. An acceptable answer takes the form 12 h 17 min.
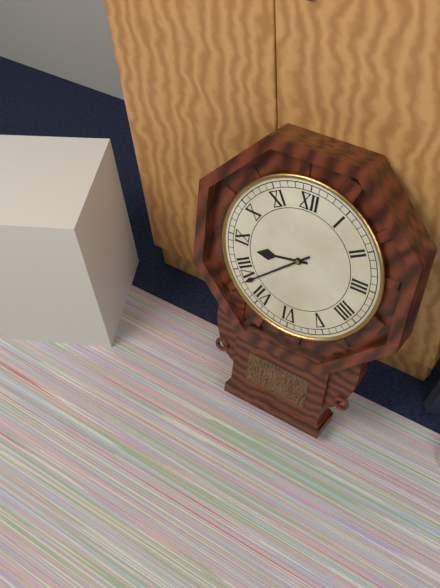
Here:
8 h 38 min
